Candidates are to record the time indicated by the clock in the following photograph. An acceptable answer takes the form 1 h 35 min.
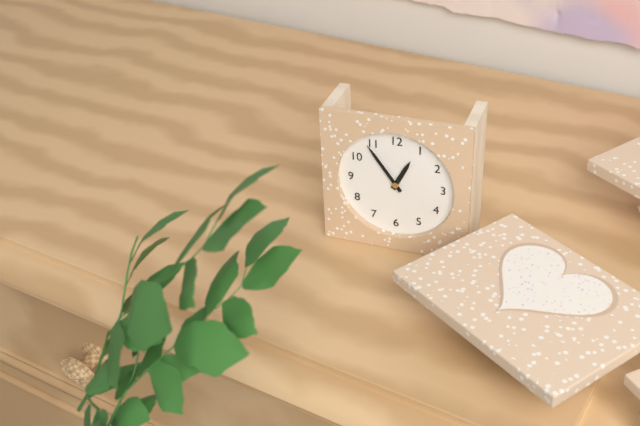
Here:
12 h 54 min
